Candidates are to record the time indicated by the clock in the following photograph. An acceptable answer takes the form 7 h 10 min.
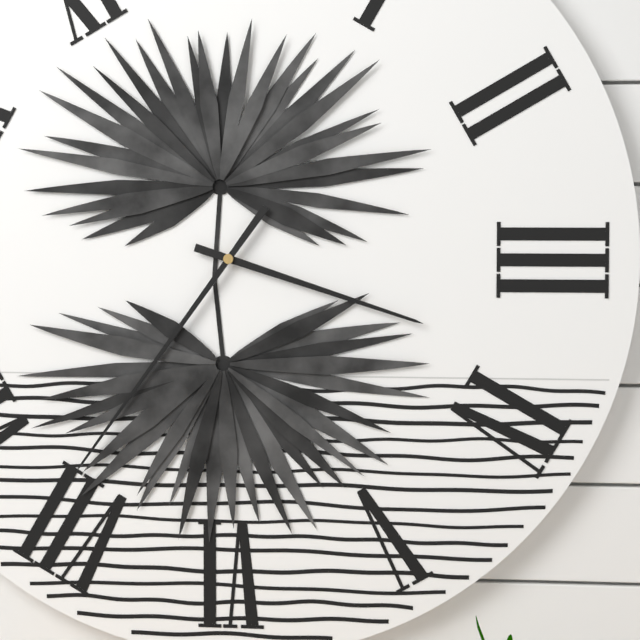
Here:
3 h 36 min
